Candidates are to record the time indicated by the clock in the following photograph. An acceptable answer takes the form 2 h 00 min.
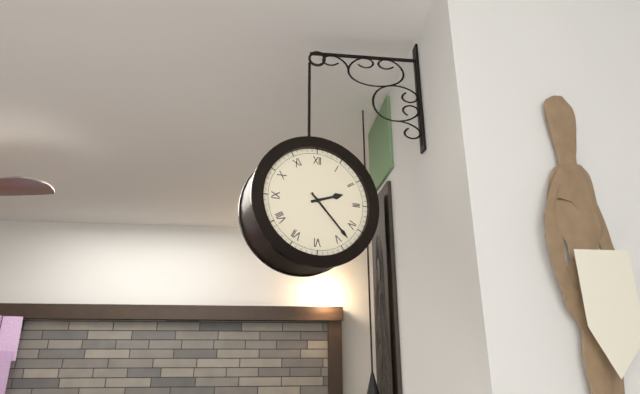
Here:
2 h 23 min
